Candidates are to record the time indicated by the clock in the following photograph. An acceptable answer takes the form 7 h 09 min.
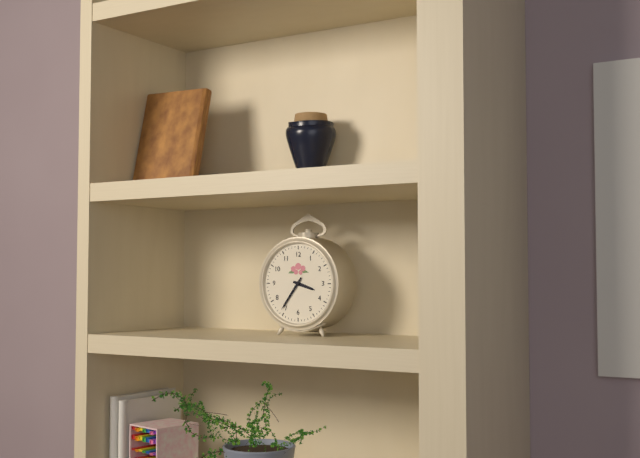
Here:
3 h 36 min
